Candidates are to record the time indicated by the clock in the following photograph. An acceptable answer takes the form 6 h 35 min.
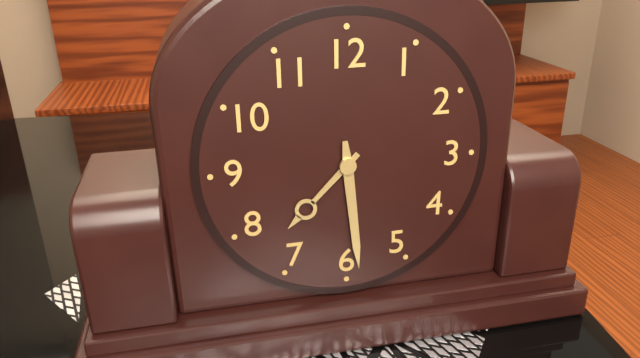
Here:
7 h 29 min
